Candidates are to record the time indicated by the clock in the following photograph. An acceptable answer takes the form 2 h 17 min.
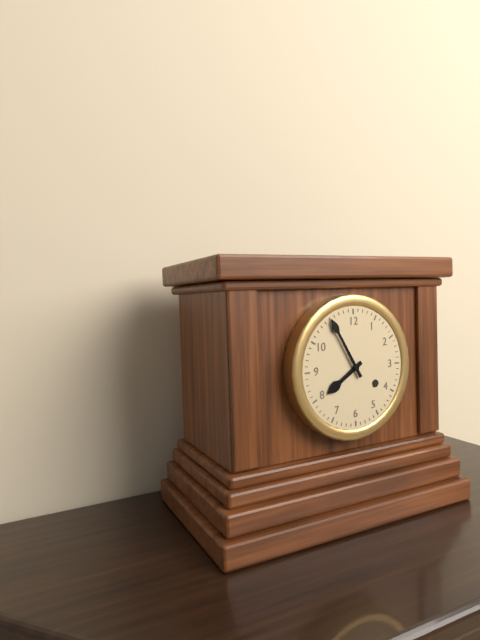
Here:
7 h 55 min
